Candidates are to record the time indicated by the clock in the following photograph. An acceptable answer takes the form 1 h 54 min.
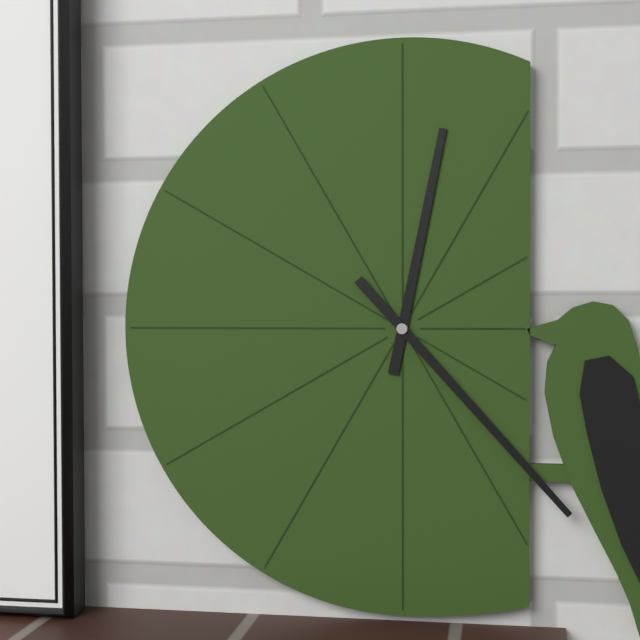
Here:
12 h 23 min
